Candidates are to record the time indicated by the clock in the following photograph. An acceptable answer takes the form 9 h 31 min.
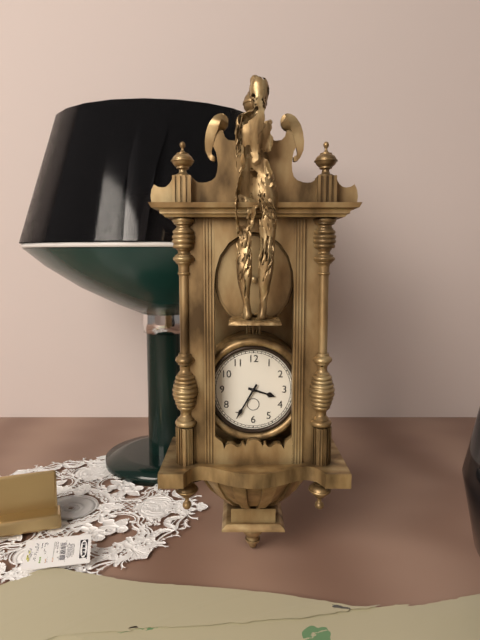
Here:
3 h 35 min
